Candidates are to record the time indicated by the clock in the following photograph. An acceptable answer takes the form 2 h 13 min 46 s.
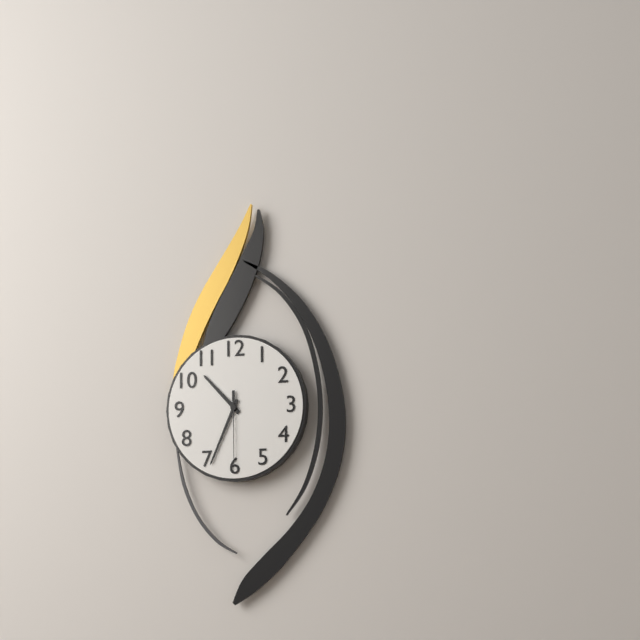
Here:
10 h 34 min 30 s
